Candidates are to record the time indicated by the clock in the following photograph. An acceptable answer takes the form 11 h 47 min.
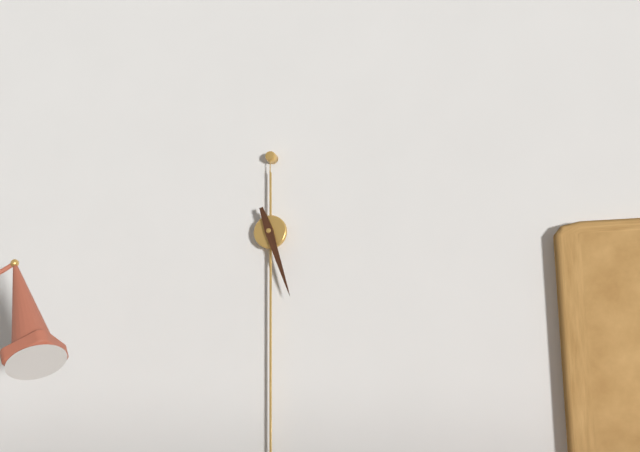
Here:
5 h 27 min
